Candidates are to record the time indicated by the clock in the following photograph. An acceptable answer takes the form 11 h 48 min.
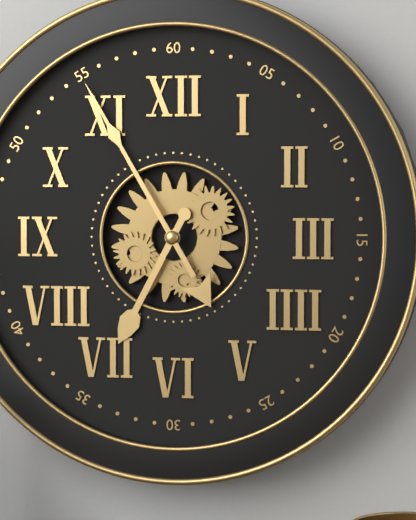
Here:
6 h 55 min
